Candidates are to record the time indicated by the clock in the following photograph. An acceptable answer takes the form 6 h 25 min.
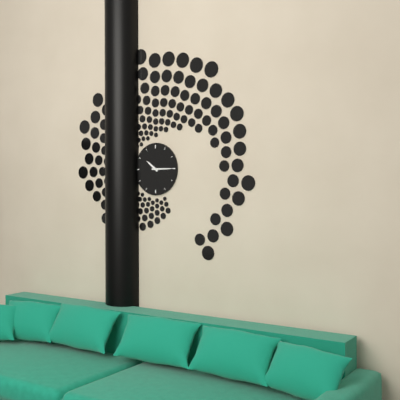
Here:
10 h 15 min
